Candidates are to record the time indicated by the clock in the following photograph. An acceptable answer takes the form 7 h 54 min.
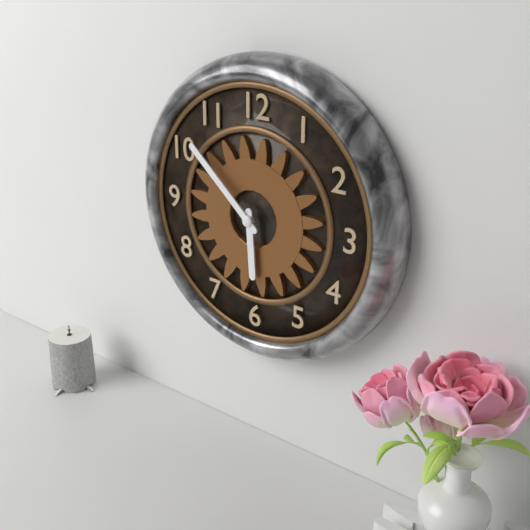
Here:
5 h 52 min
